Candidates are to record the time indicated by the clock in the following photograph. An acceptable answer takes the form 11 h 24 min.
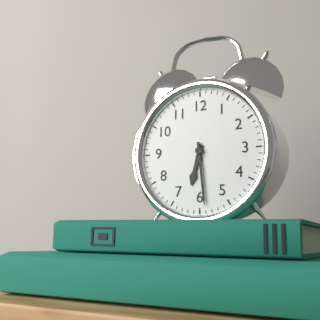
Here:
6 h 29 min
